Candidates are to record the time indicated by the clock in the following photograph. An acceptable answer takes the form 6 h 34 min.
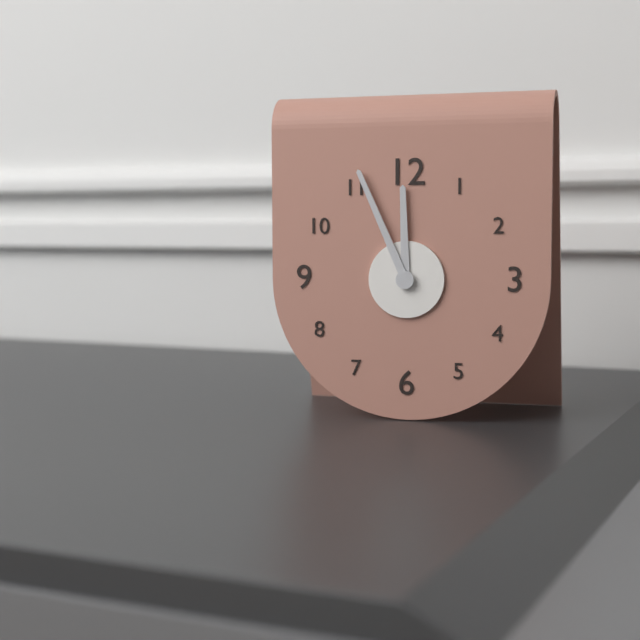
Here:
11 h 56 min
